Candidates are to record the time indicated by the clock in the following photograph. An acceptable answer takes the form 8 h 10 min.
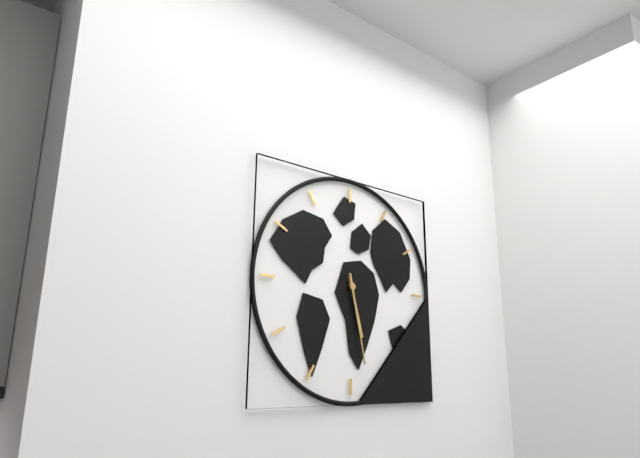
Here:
5 h 28 min
